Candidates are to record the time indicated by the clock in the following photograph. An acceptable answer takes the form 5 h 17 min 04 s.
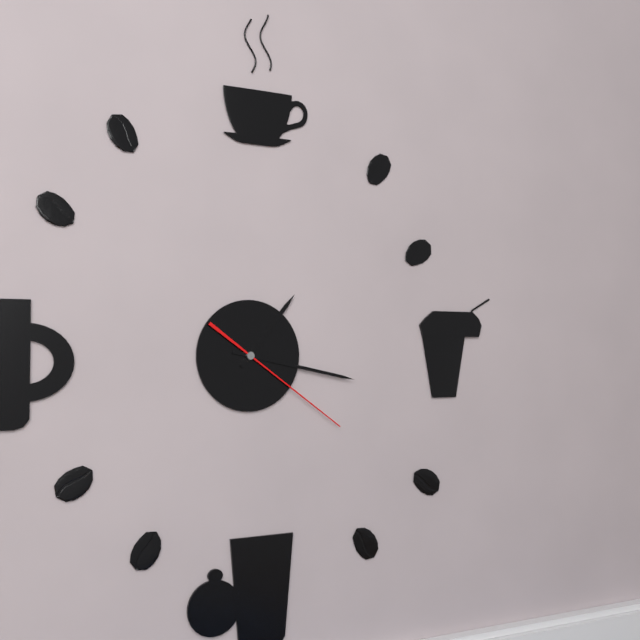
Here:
1 h 17 min 21 s
